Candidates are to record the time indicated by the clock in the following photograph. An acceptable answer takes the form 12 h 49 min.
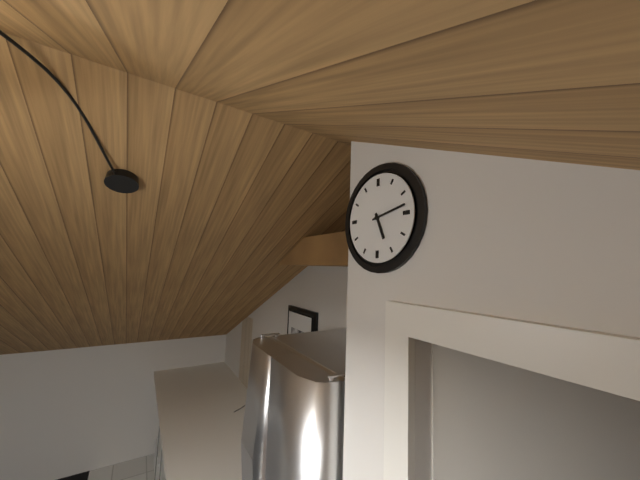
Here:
5 h 13 min
